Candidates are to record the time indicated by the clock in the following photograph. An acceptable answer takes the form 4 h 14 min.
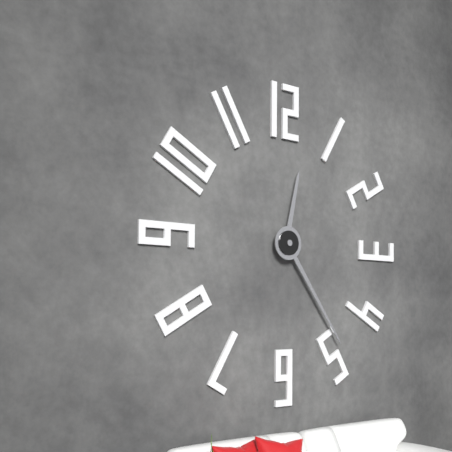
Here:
12 h 24 min
